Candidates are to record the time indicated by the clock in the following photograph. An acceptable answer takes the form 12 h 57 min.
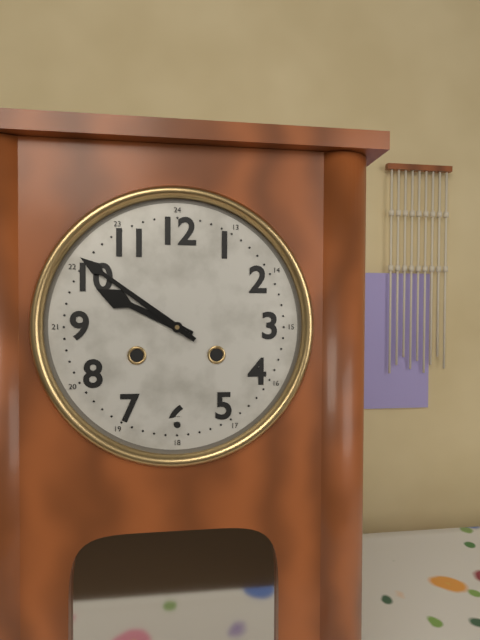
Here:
9 h 51 min
